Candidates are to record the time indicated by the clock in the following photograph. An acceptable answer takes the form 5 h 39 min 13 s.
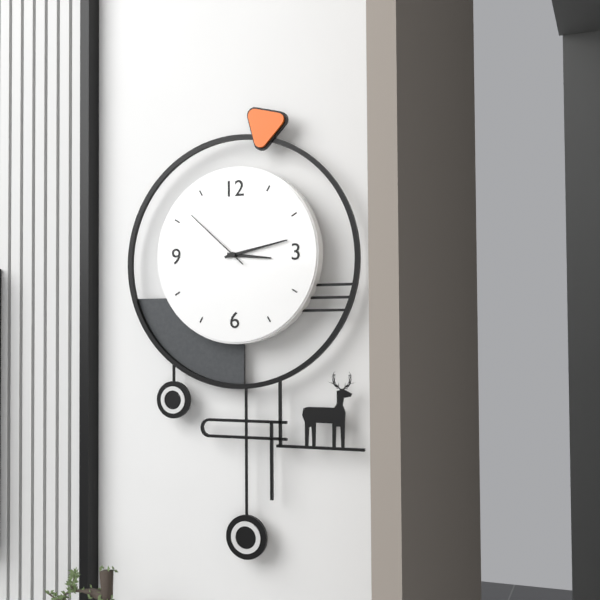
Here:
3 h 13 min 52 s
